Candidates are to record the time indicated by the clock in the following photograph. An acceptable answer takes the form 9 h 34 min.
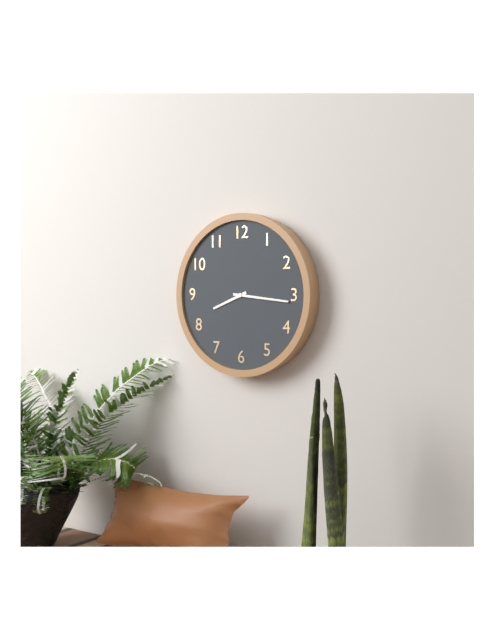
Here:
8 h 16 min
